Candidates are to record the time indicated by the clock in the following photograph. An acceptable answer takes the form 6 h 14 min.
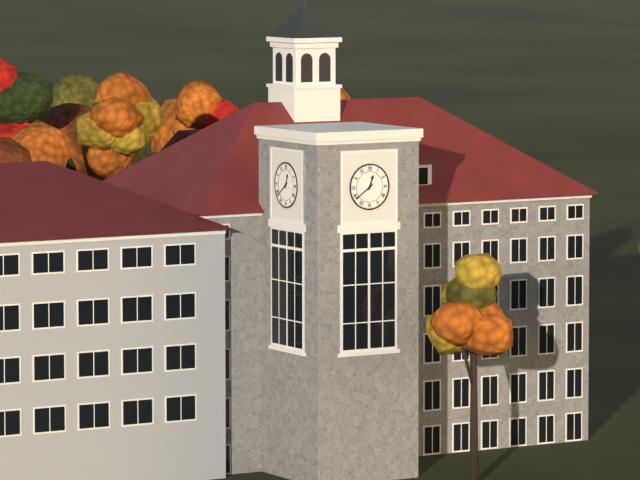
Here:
12 h 39 min
